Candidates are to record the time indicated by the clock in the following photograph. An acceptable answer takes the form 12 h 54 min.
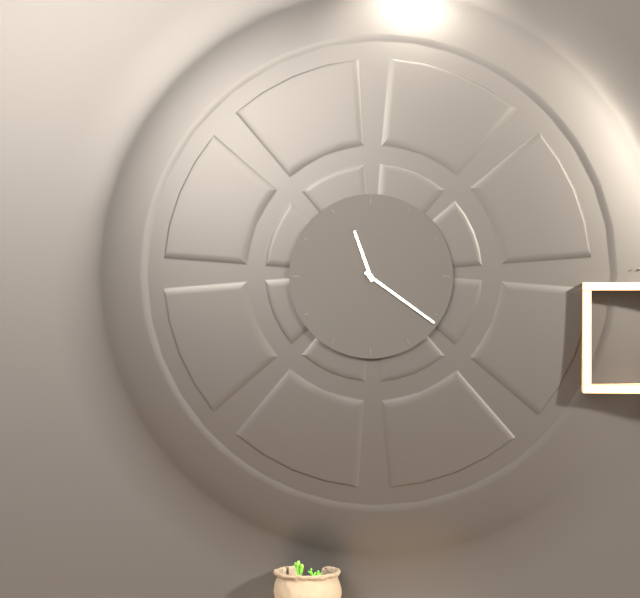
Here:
11 h 21 min
